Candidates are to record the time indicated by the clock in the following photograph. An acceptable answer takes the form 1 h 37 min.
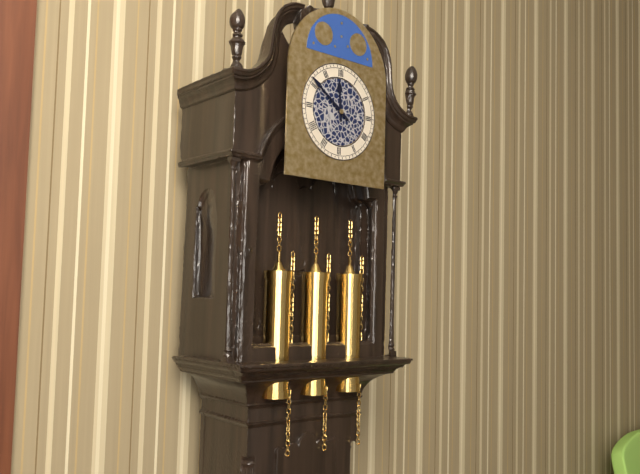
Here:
11 h 51 min
